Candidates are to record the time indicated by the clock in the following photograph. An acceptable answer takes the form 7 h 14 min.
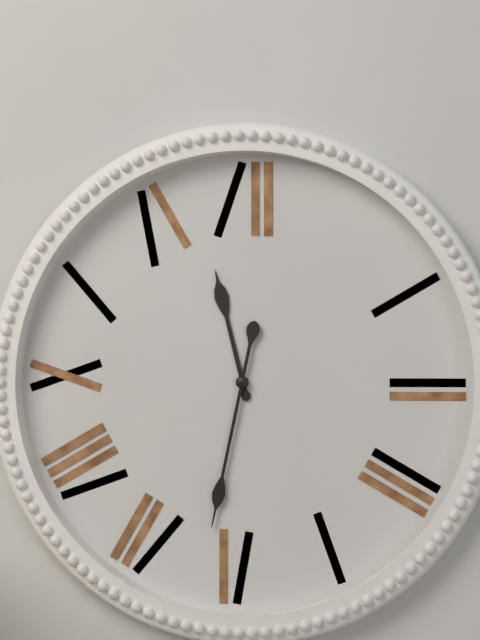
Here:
11 h 32 min
